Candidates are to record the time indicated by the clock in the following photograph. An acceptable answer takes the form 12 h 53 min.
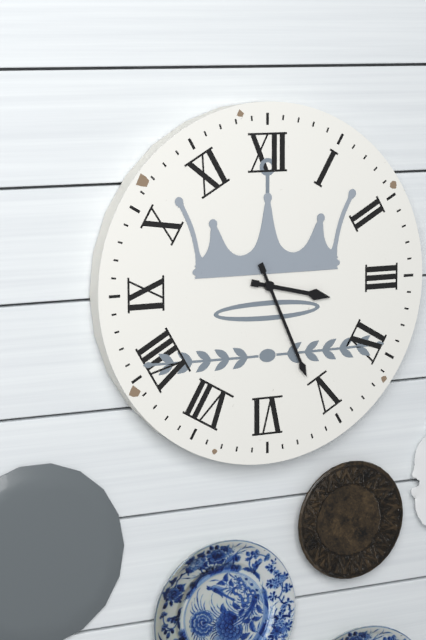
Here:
3 h 26 min
